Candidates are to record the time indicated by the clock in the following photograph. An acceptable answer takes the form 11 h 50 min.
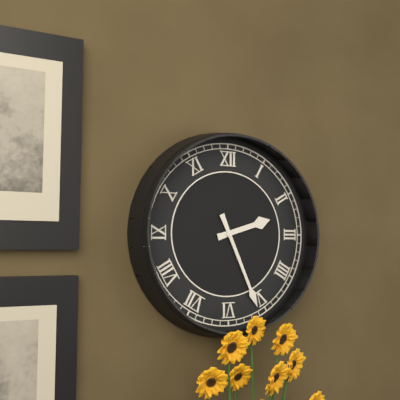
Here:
2 h 26 min
